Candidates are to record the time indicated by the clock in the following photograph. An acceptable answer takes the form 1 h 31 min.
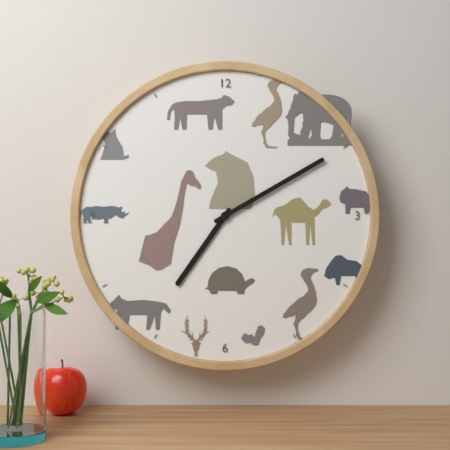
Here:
7 h 10 min
